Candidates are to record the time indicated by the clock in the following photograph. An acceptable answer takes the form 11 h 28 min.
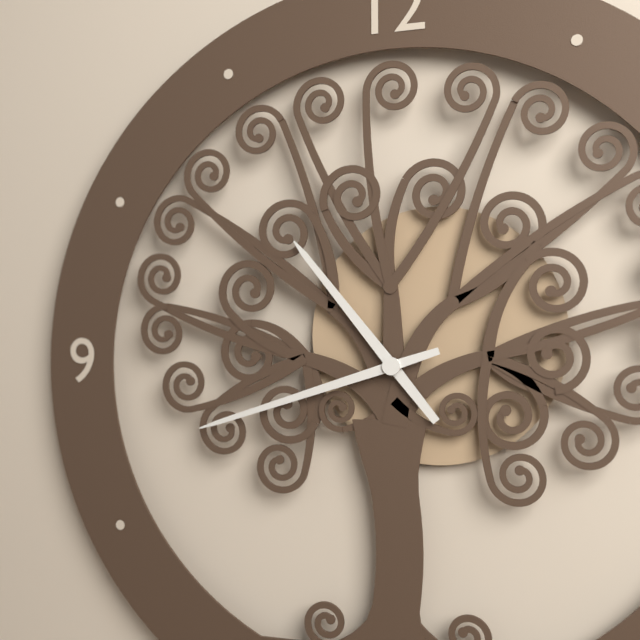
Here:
10 h 42 min
